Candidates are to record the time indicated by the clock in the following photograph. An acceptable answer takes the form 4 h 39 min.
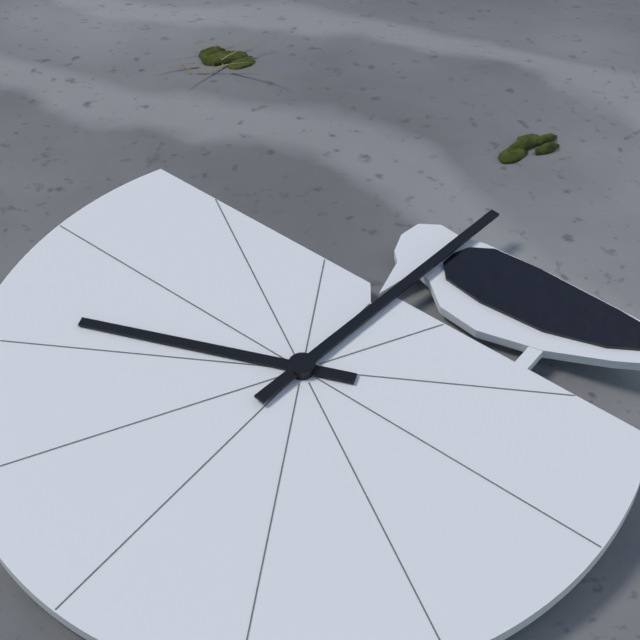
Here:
11 h 16 min
